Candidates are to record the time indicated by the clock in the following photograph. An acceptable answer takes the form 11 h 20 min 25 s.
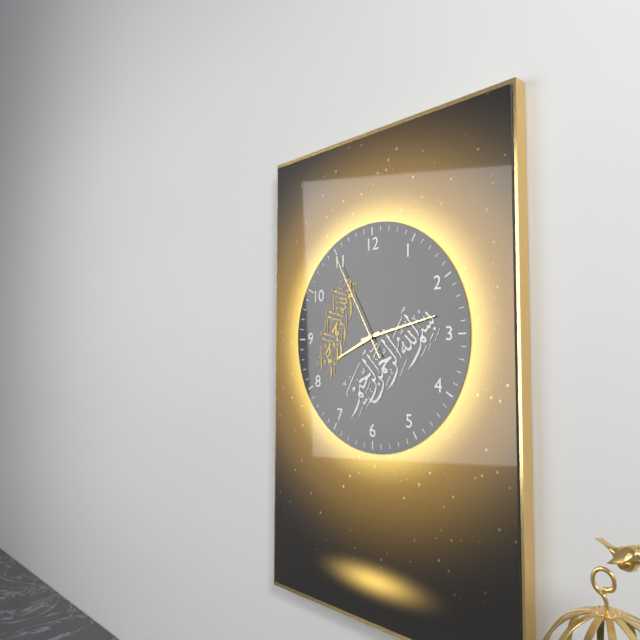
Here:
8 h 13 min 55 s
